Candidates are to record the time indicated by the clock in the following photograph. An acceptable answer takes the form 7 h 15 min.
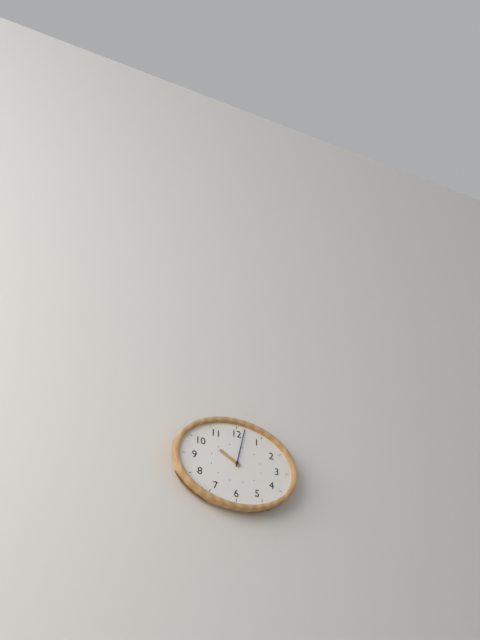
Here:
10 h 02 min
